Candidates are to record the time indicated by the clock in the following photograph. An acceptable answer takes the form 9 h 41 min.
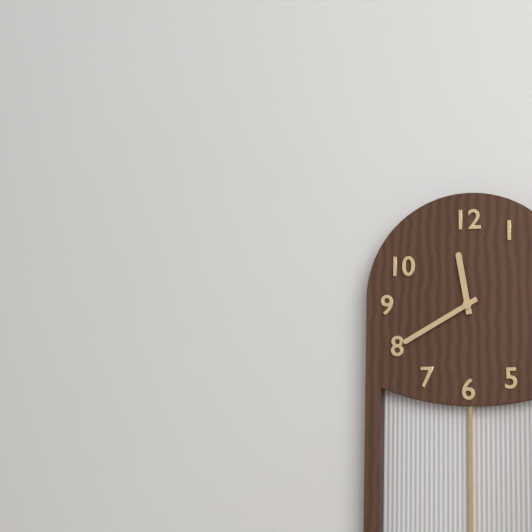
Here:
11 h 40 min
